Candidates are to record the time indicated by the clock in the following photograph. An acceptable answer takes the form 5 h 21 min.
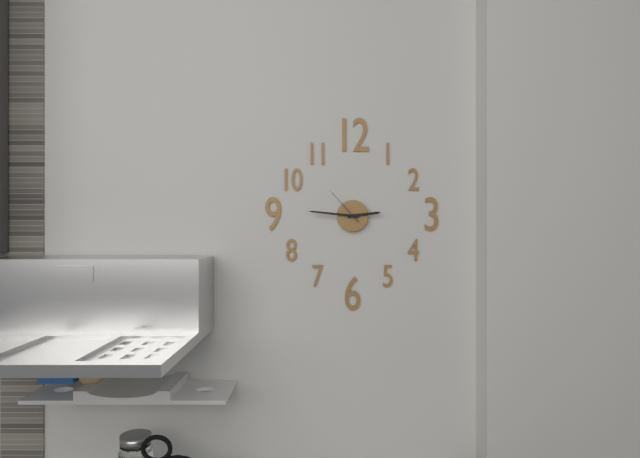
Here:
2 h 46 min
